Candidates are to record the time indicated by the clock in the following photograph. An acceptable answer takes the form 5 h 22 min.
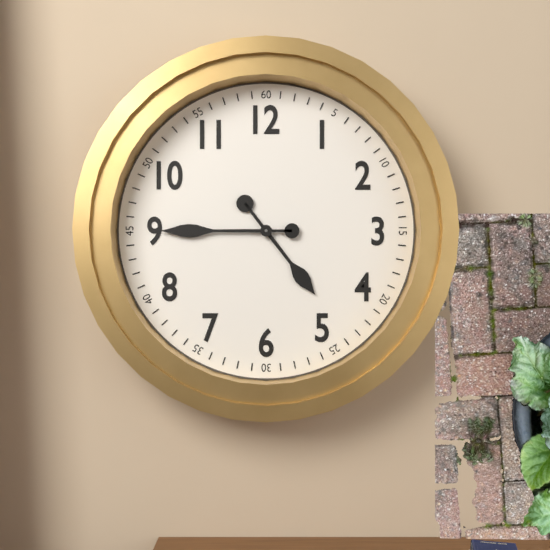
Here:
4 h 45 min
